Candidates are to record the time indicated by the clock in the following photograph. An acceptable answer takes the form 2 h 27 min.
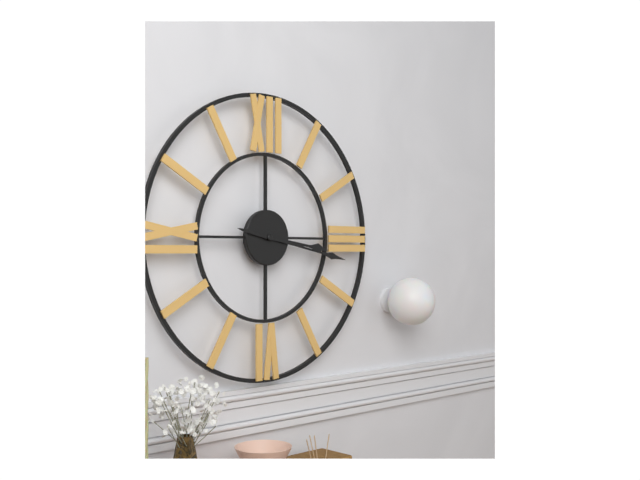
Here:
3 h 17 min
